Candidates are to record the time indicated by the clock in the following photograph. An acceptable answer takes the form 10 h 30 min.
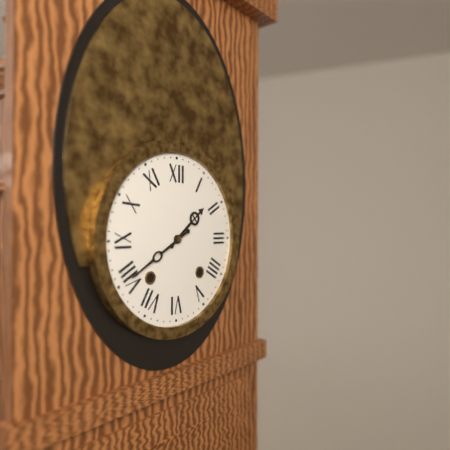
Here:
1 h 40 min
